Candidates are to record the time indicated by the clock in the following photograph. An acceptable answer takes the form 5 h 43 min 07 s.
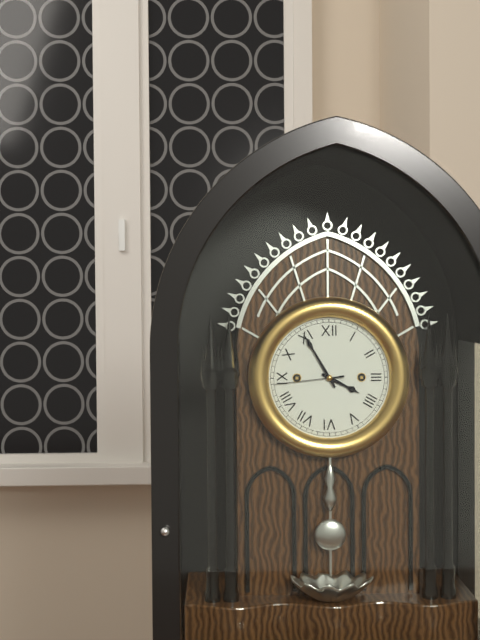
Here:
3 h 55 min 44 s
